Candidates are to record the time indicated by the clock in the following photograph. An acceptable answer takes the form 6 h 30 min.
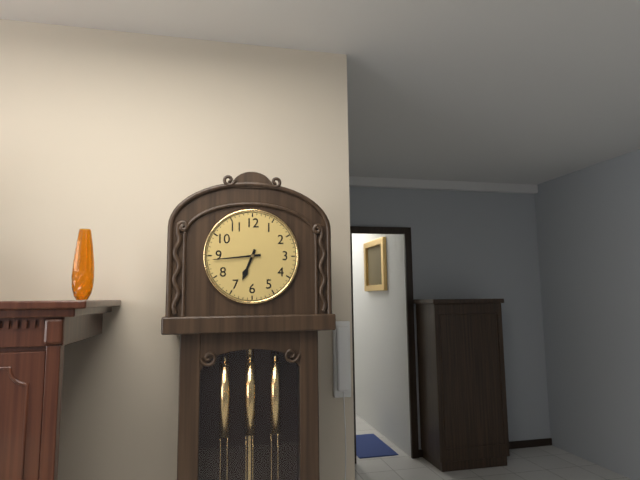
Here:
6 h 44 min
